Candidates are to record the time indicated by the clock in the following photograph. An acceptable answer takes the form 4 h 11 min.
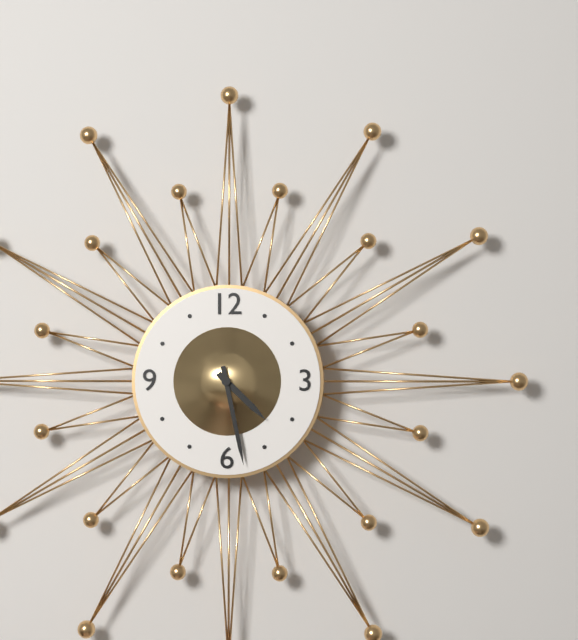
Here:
4 h 28 min
